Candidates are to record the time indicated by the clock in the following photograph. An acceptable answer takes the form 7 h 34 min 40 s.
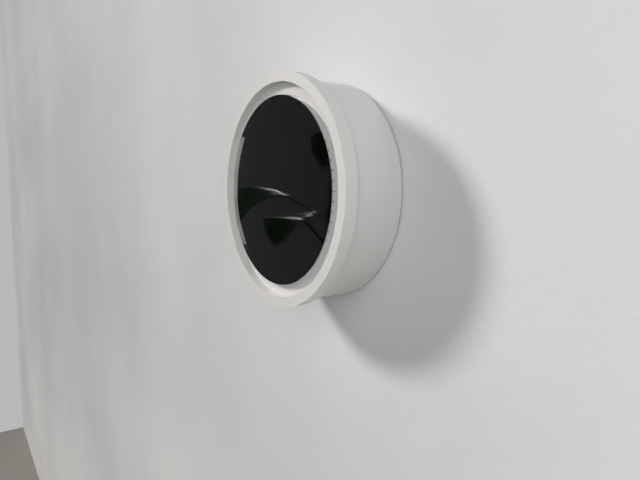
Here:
3 h 02 min 58 s
